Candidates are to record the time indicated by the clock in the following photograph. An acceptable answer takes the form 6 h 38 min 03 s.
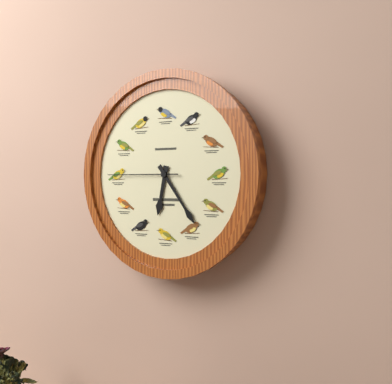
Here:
6 h 24 min 45 s
